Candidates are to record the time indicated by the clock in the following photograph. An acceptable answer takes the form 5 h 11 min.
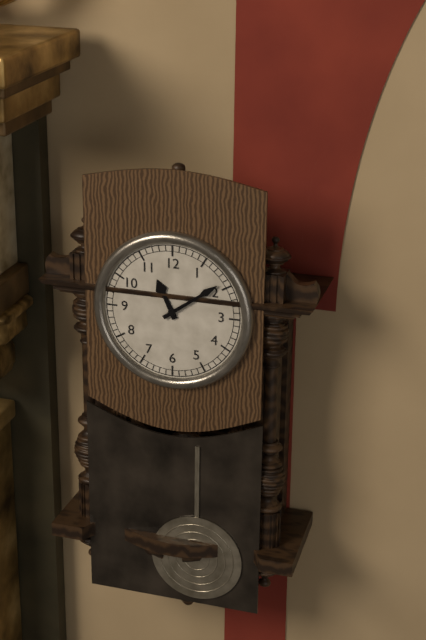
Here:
11 h 09 min
